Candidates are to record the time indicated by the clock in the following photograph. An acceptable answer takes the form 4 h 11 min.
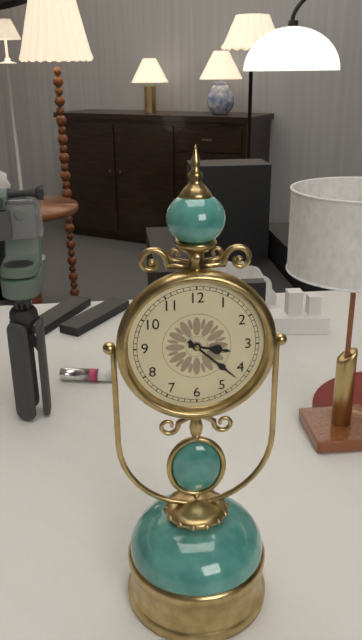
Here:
3 h 22 min
